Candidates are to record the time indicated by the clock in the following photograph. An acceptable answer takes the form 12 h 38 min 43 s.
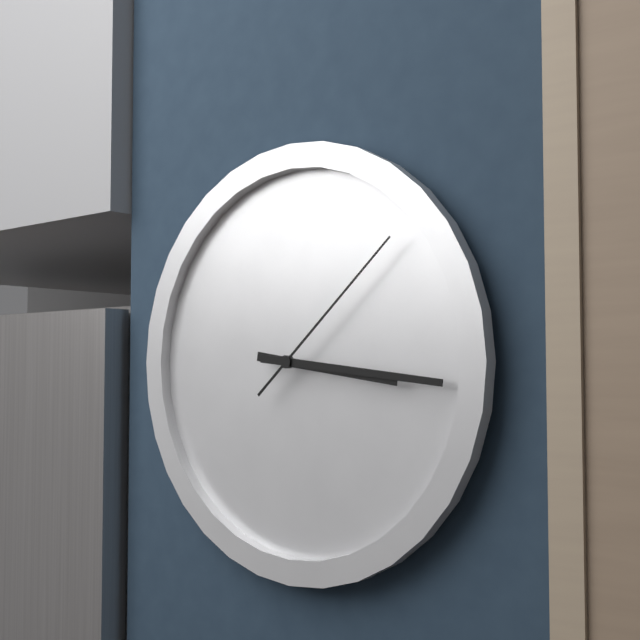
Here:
3 h 16 min 08 s
